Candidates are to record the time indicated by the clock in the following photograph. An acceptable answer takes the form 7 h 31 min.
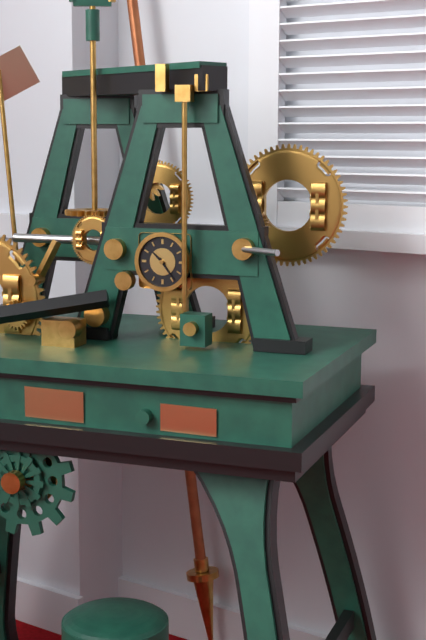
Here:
10 h 24 min
